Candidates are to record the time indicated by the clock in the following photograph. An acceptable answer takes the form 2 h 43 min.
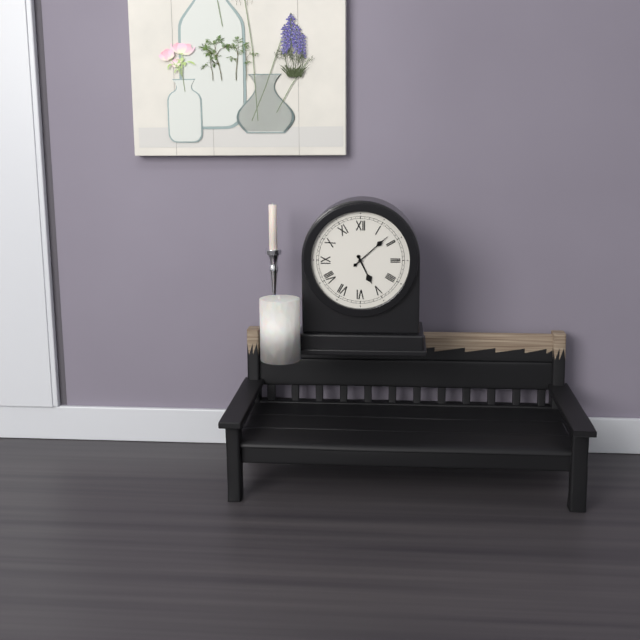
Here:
5 h 08 min
